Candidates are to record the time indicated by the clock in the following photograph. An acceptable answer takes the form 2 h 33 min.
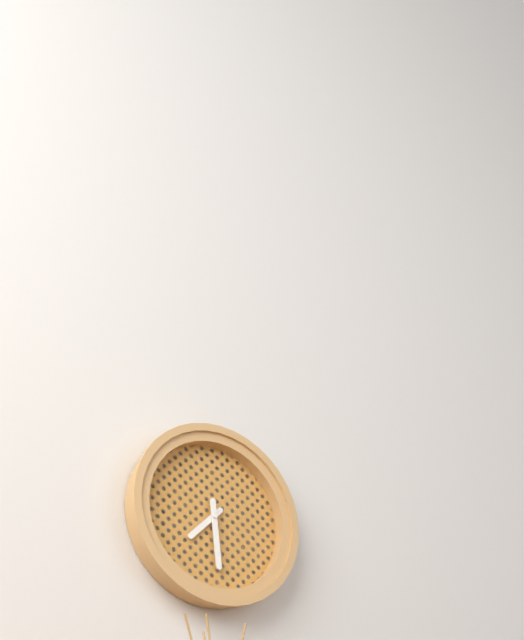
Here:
7 h 29 min
